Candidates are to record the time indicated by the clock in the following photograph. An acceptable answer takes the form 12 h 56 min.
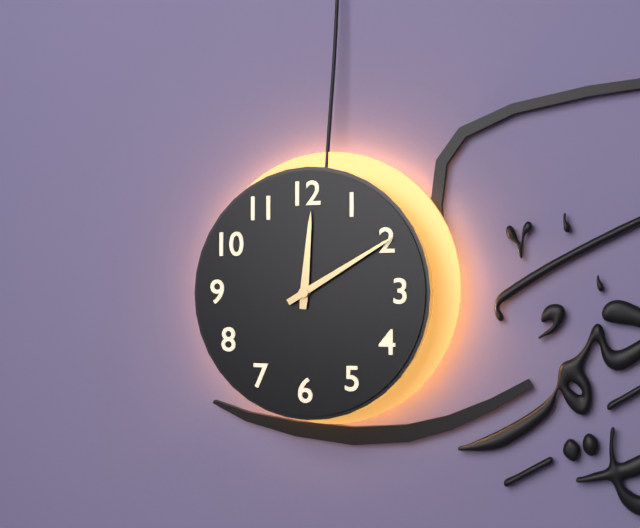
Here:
12 h 10 min
